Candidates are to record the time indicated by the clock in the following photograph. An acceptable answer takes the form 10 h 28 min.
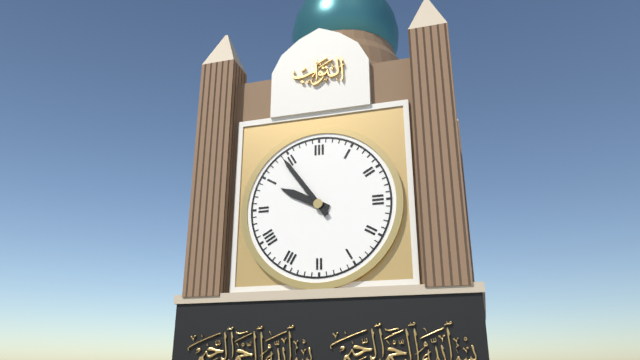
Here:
9 h 54 min
